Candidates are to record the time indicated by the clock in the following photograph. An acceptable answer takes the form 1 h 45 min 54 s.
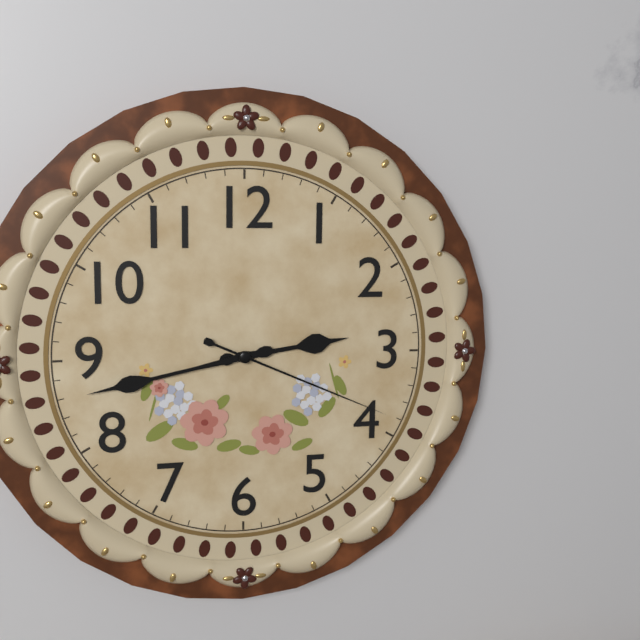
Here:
2 h 43 min 19 s
